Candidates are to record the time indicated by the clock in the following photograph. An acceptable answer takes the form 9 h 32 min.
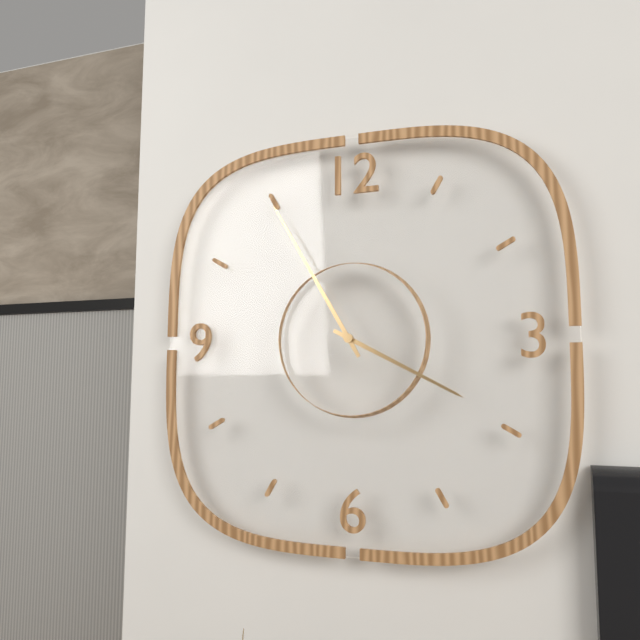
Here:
3 h 55 min
